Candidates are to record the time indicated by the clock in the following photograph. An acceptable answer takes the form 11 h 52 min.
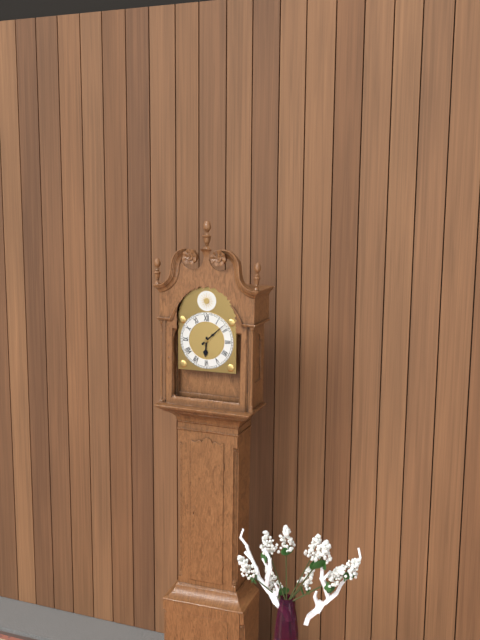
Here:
6 h 08 min
